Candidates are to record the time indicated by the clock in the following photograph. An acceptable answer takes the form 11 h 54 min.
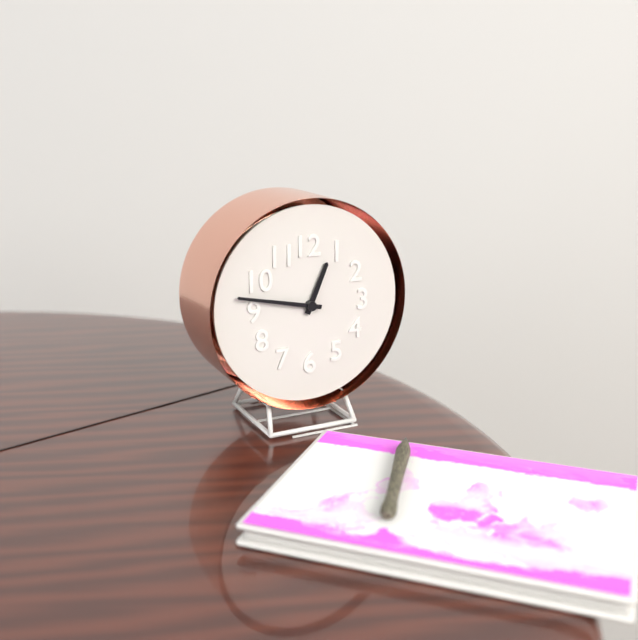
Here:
12 h 47 min
